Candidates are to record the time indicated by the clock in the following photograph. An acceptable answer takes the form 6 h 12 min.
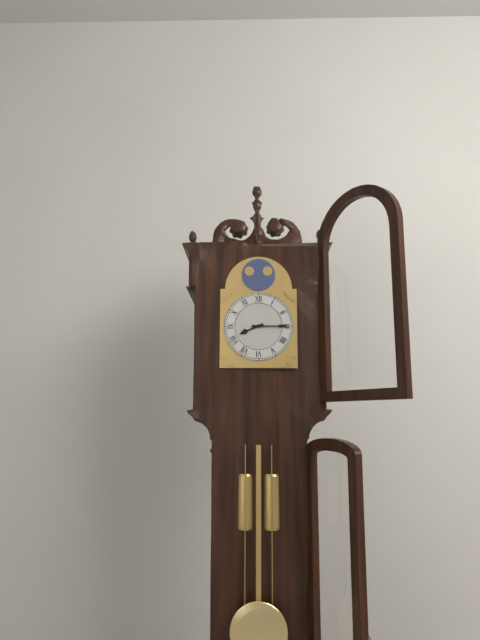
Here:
8 h 15 min
